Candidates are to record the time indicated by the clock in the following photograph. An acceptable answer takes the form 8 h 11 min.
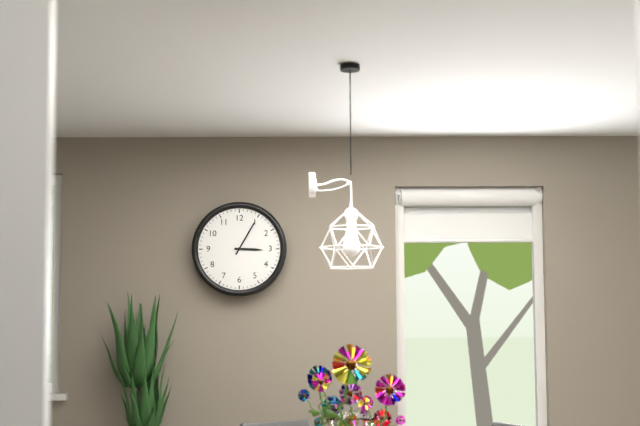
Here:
3 h 05 min
